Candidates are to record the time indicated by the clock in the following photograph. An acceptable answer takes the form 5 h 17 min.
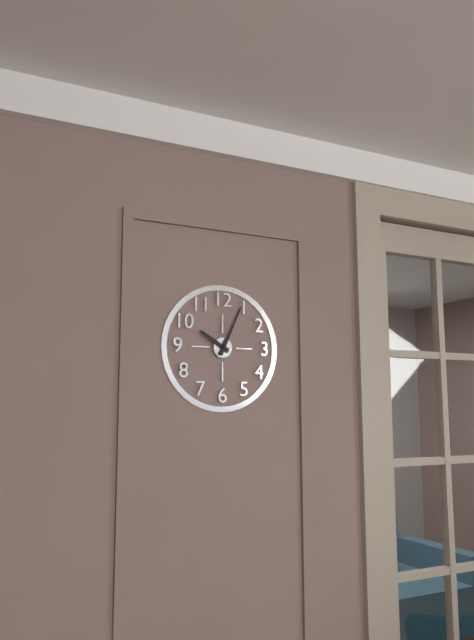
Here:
10 h 04 min
